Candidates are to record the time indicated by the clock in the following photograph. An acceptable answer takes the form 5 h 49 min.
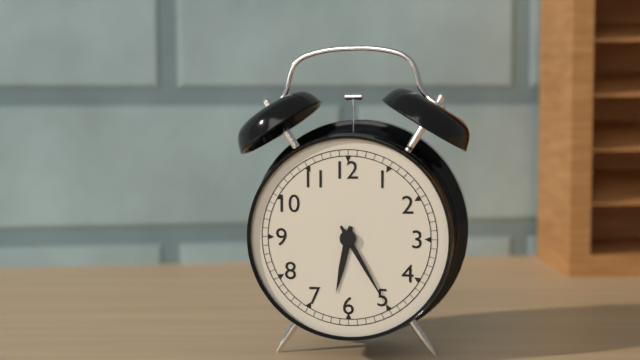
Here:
6 h 25 min
